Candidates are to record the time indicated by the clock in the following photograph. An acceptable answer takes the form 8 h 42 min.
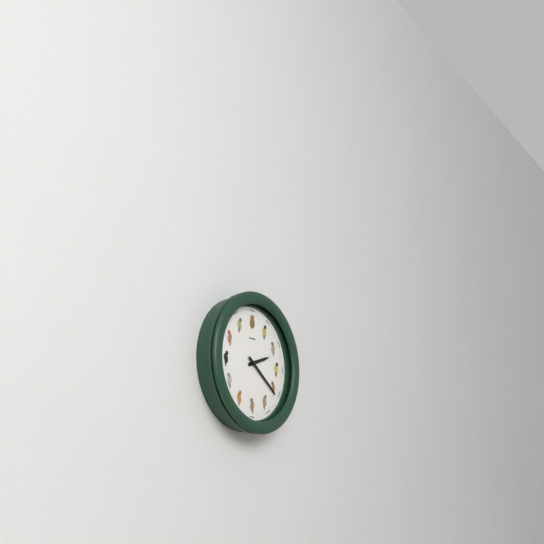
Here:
2 h 21 min
